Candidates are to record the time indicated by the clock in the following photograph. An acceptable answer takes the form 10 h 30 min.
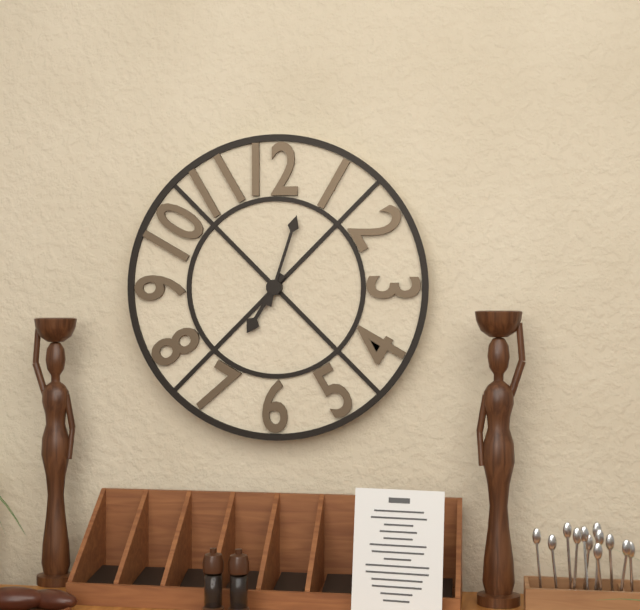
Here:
7 h 03 min
